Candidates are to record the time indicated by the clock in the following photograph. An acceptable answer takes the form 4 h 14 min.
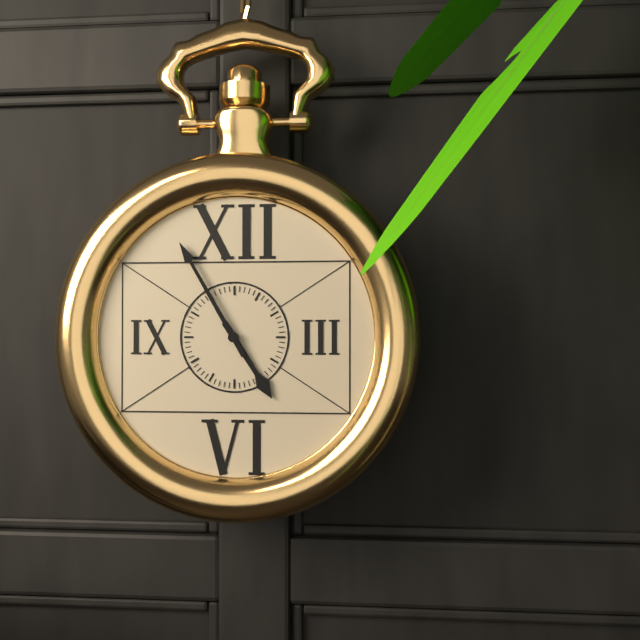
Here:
4 h 55 min
